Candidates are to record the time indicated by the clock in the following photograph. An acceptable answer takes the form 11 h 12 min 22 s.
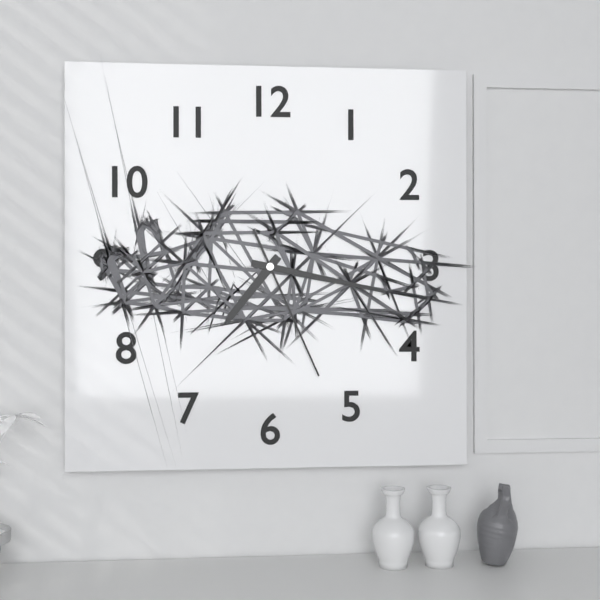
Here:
7 h 17 min 26 s
